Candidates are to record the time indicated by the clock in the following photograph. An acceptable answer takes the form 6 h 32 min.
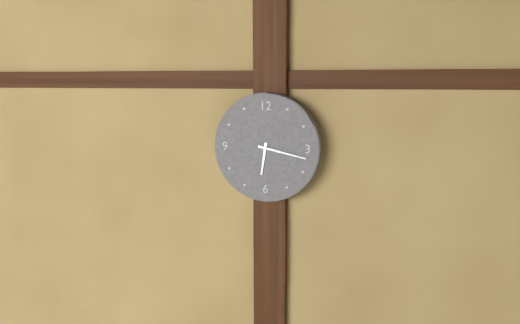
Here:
6 h 17 min
